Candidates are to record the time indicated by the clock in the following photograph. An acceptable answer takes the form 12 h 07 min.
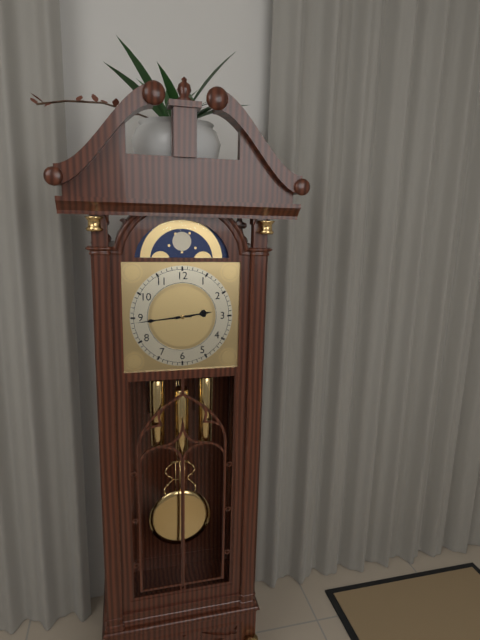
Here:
2 h 44 min
